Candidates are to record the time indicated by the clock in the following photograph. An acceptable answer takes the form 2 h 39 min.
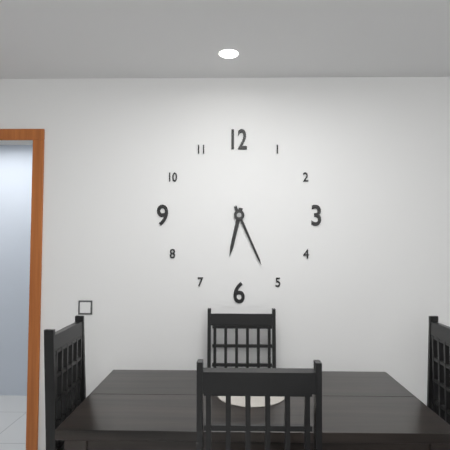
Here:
6 h 26 min
